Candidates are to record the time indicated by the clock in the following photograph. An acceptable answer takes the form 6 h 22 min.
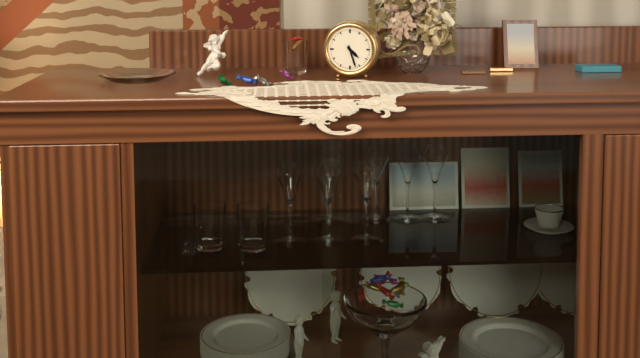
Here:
4 h 27 min
